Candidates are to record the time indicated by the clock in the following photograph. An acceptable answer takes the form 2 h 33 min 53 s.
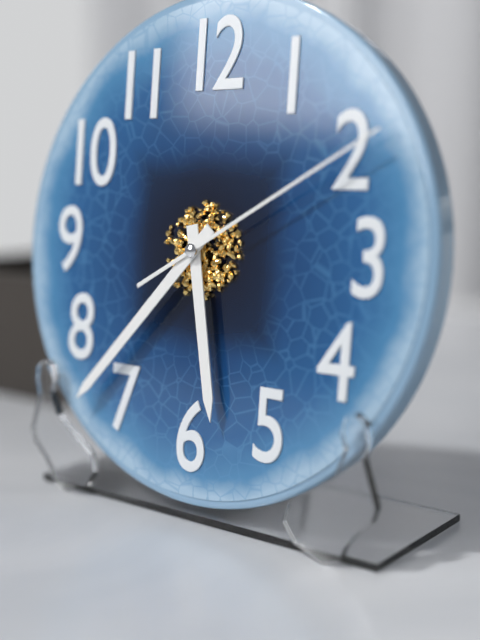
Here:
5 h 37 min 10 s
